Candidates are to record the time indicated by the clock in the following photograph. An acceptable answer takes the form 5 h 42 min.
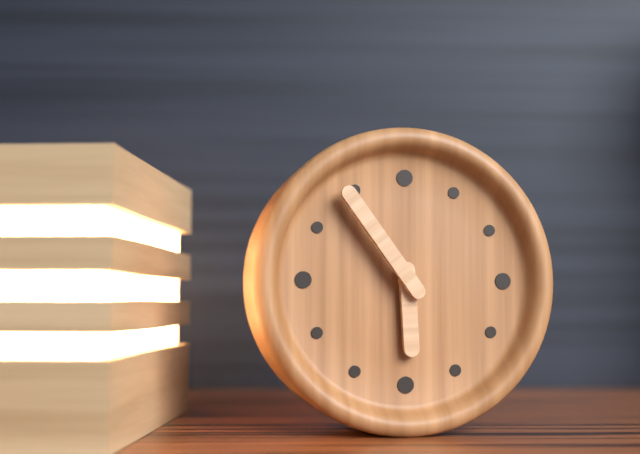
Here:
5 h 54 min
